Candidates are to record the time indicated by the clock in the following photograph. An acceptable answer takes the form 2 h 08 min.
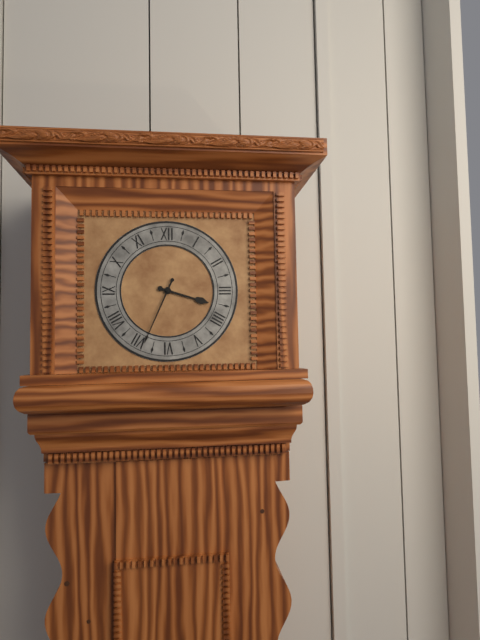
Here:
3 h 34 min
